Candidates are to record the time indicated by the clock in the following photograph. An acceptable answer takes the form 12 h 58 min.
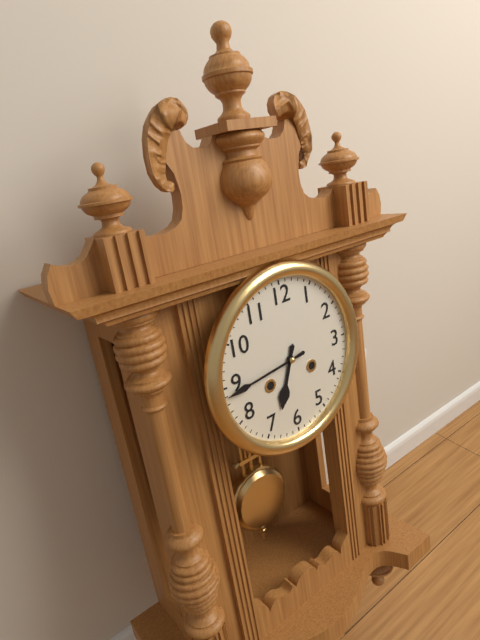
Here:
6 h 44 min
